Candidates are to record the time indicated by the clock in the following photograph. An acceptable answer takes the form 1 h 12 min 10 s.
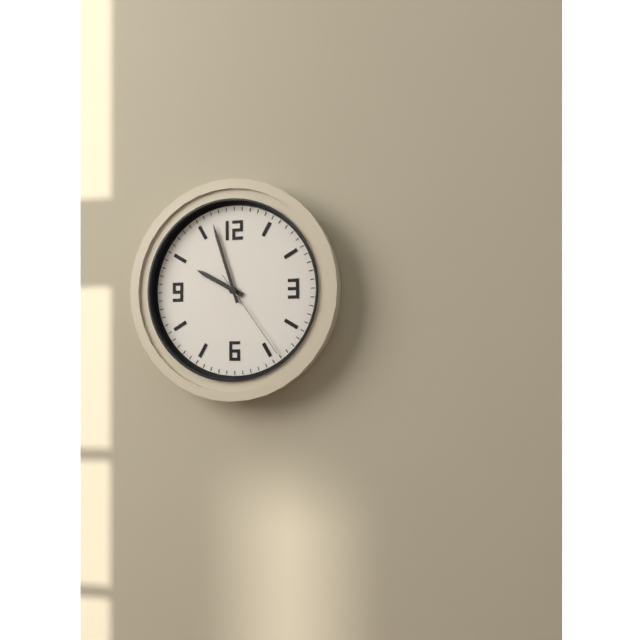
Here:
9 h 57 min 24 s
